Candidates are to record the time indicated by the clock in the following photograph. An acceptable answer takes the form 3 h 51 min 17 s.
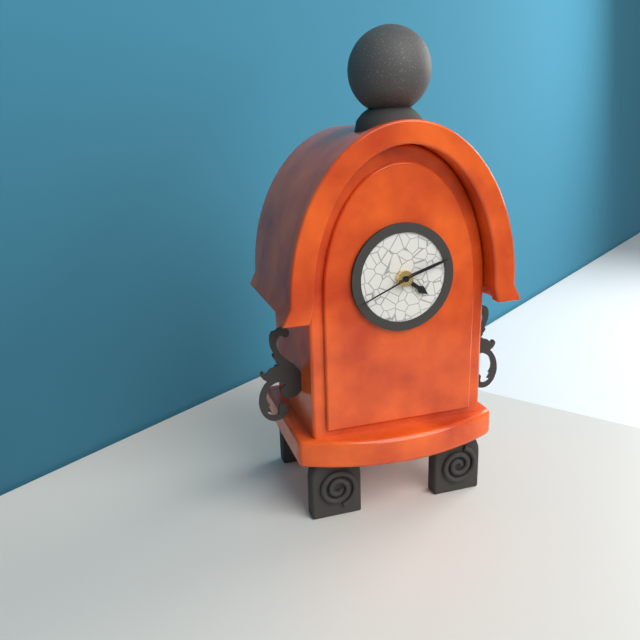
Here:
4 h 12 min 41 s
